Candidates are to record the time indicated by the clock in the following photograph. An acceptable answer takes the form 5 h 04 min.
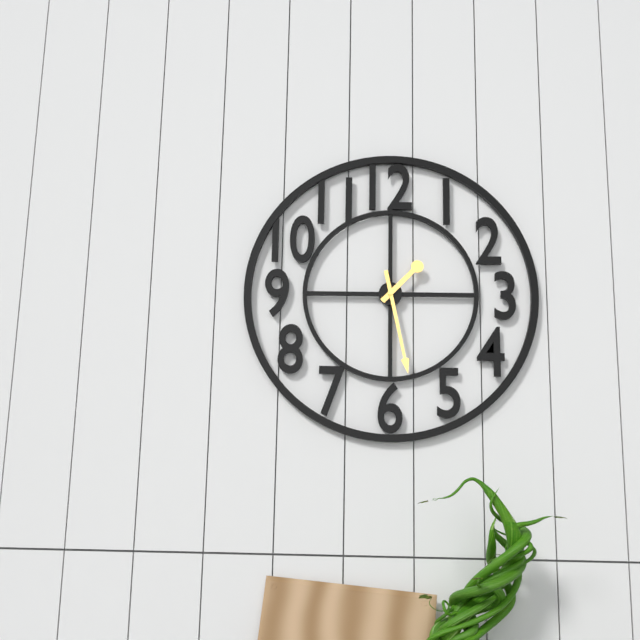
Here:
1 h 28 min
